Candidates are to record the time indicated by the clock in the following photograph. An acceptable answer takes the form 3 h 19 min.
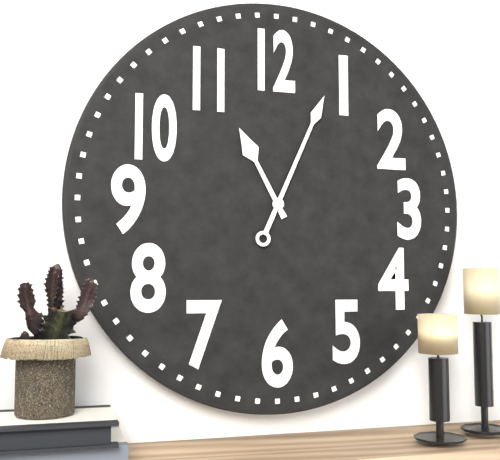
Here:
11 h 04 min
